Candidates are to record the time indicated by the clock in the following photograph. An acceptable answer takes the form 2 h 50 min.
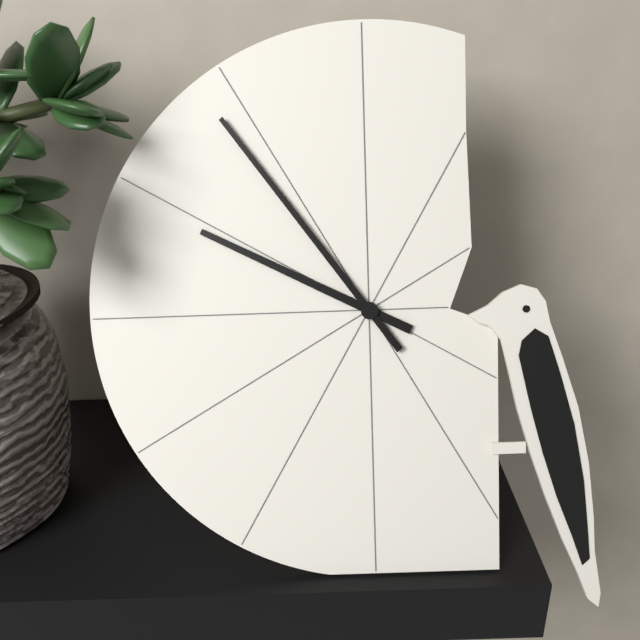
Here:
9 h 54 min
